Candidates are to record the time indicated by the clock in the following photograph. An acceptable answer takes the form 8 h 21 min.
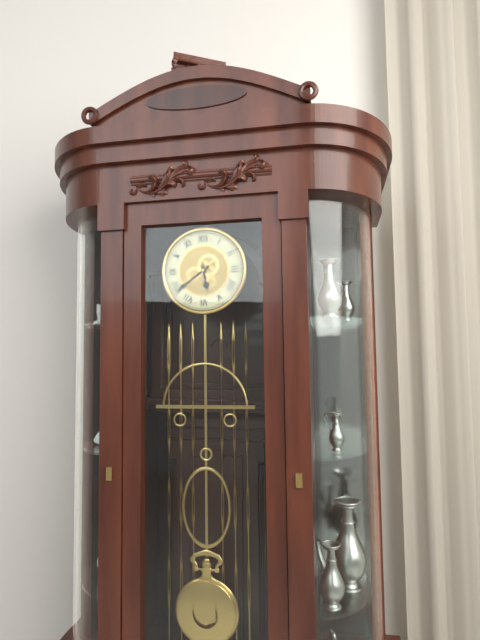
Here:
5 h 39 min
